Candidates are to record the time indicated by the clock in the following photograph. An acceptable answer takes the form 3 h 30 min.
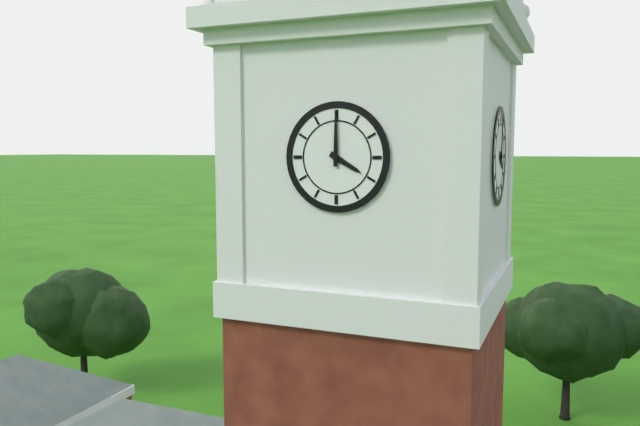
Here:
4 h 00 min
